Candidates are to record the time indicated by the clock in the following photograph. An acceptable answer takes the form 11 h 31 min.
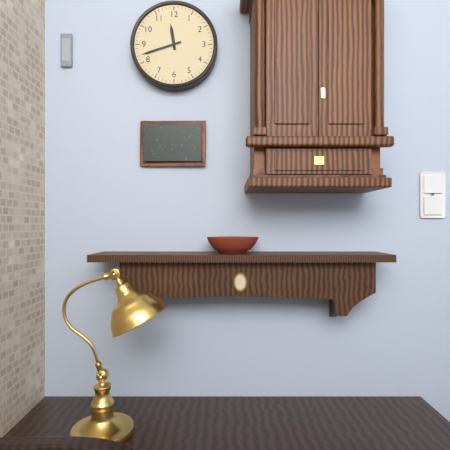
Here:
11 h 42 min
